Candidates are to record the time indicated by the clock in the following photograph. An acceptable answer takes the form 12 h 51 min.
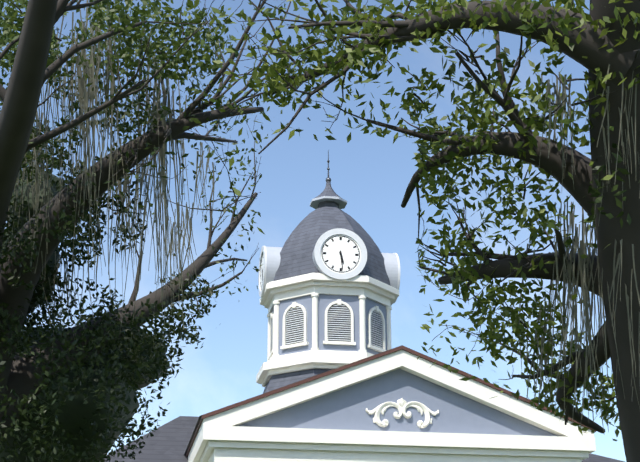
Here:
5 h 29 min
